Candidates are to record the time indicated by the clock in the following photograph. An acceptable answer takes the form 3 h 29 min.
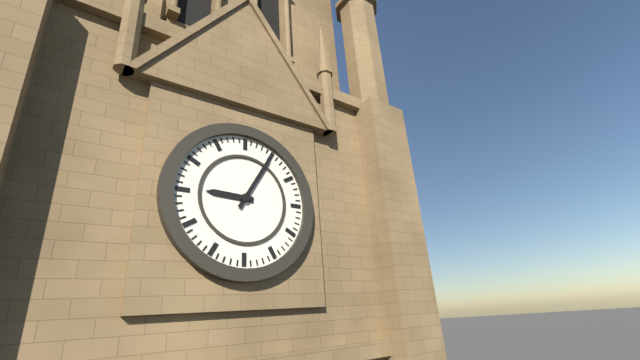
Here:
9 h 05 min
